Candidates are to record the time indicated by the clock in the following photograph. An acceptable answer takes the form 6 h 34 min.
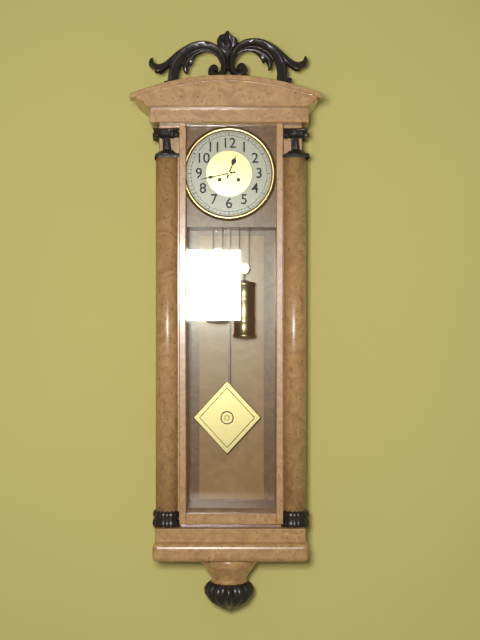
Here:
12 h 43 min
